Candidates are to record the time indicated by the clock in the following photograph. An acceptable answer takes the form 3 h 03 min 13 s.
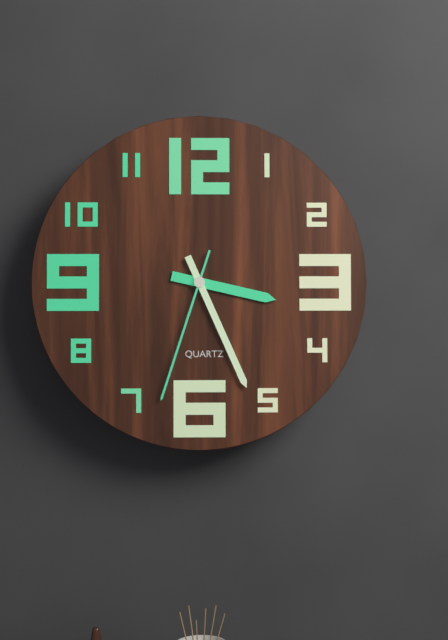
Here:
3 h 26 min 33 s
